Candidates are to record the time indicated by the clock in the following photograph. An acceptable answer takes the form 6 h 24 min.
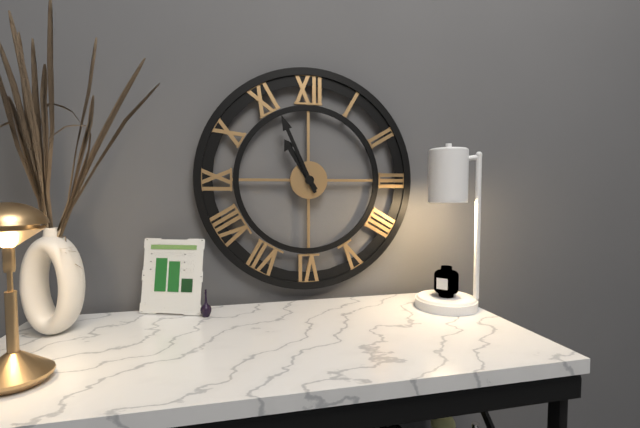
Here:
10 h 56 min
